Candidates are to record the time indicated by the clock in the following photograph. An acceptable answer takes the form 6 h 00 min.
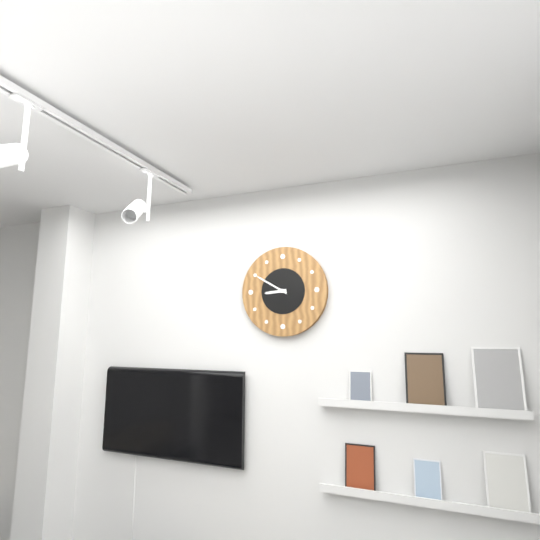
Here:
8 h 50 min
